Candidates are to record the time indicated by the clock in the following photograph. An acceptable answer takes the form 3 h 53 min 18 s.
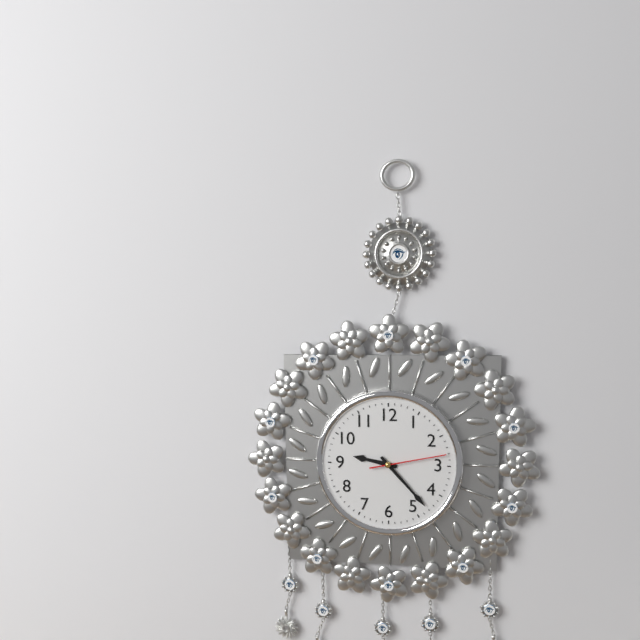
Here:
9 h 23 min 13 s
